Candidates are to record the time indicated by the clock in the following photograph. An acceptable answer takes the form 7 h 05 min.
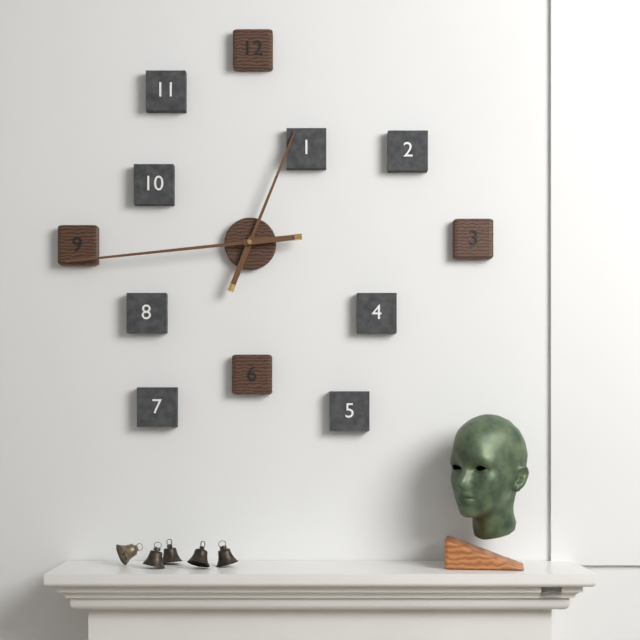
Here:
12 h 44 min
